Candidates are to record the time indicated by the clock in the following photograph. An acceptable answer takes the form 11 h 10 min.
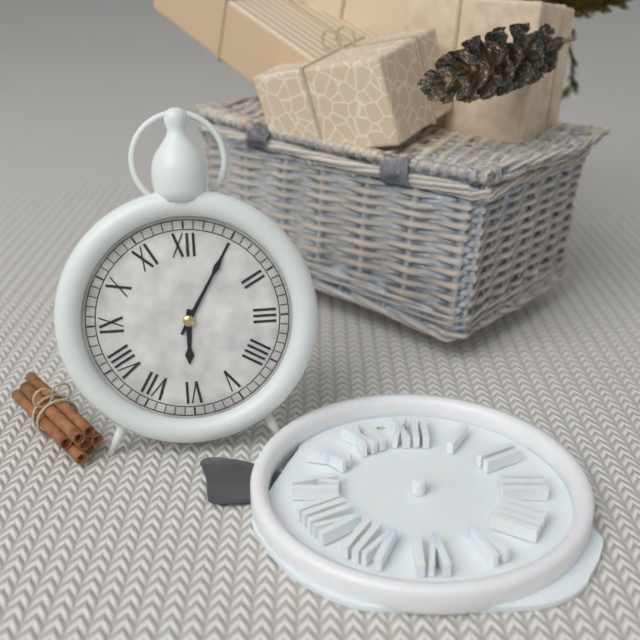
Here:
6 h 05 min
